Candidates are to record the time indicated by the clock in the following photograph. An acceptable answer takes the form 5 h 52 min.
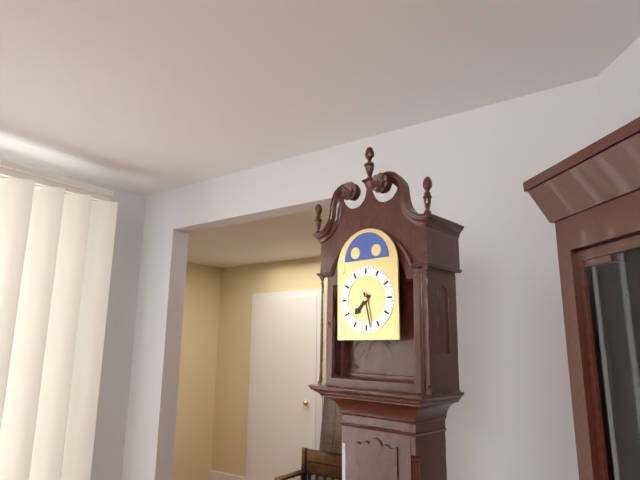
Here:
7 h 28 min
